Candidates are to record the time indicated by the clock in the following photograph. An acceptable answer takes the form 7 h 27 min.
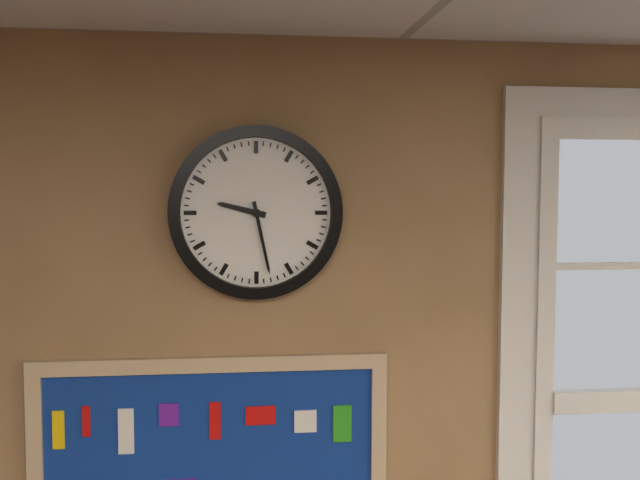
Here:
9 h 28 min
